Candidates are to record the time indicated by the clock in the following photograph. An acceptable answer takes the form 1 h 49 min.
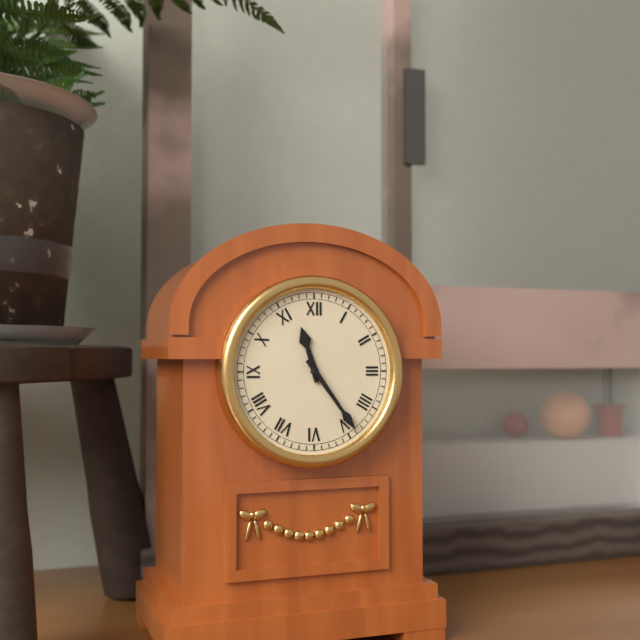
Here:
11 h 24 min
